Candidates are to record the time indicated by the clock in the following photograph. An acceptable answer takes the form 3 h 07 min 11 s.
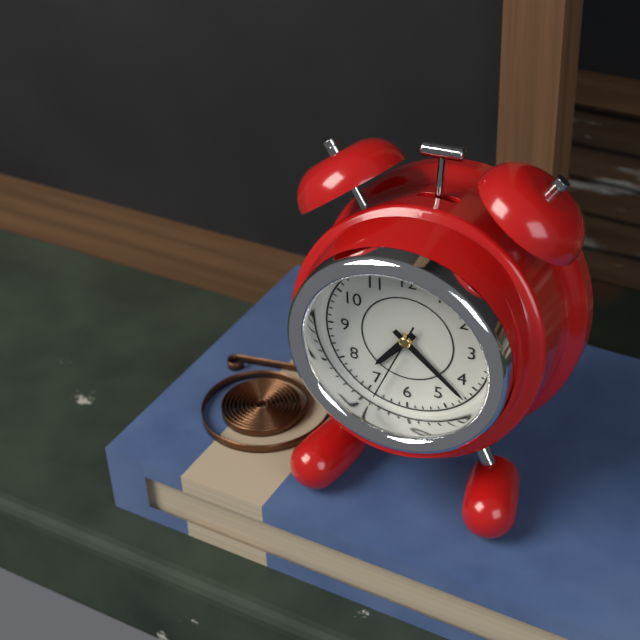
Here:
7 h 22 min 34 s
